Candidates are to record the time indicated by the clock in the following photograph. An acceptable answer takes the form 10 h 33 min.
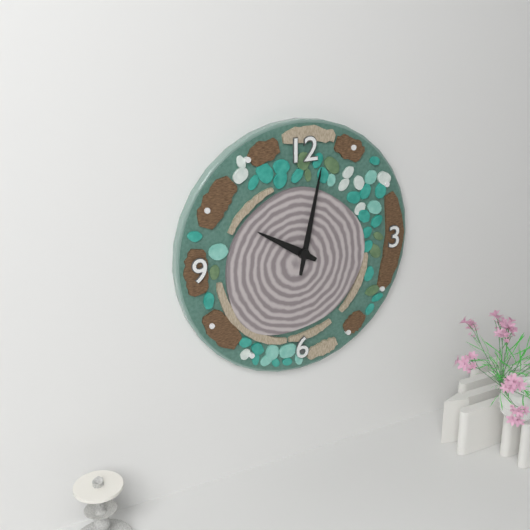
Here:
10 h 02 min
